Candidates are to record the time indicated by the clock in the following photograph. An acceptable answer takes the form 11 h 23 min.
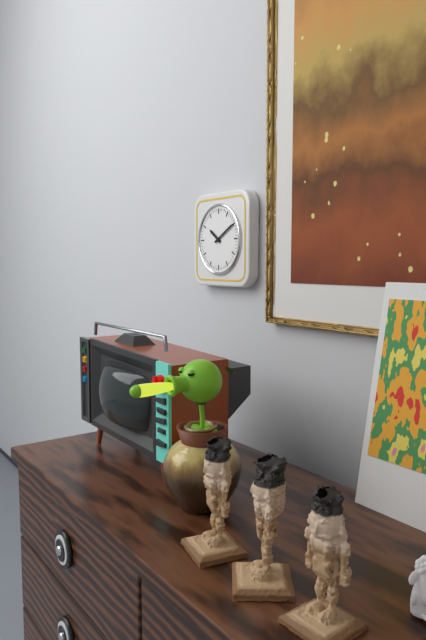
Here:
10 h 10 min
